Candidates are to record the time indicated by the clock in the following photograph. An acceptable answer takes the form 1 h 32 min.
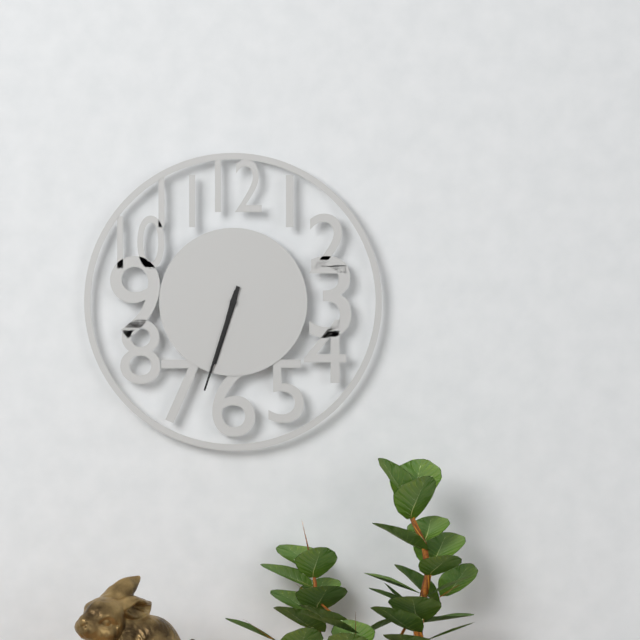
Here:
6 h 33 min
